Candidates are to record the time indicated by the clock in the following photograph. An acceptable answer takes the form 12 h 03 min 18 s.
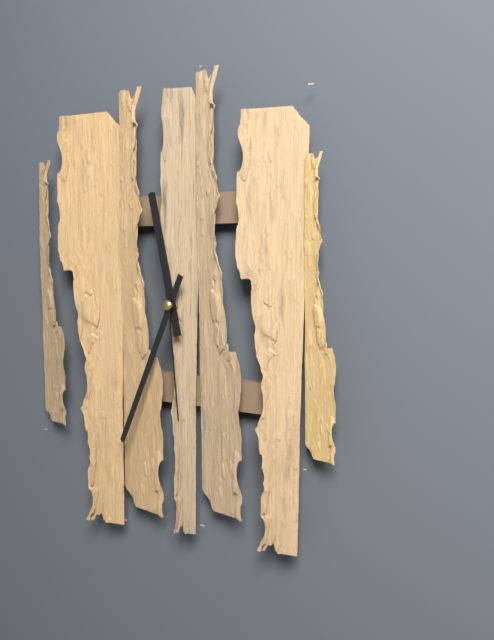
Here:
11 h 34 min 29 s
